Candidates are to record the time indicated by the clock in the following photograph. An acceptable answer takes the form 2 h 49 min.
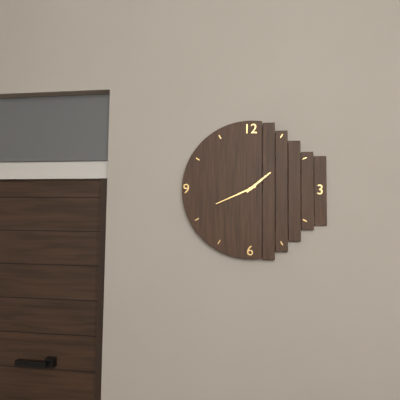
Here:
1 h 41 min
